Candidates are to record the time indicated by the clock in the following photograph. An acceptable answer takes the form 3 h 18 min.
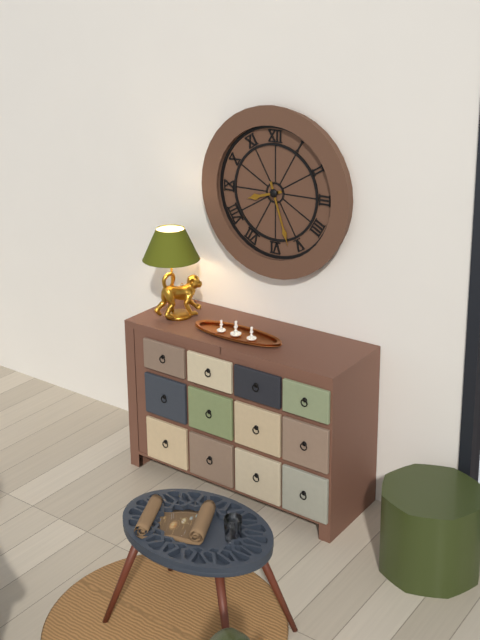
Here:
8 h 27 min
